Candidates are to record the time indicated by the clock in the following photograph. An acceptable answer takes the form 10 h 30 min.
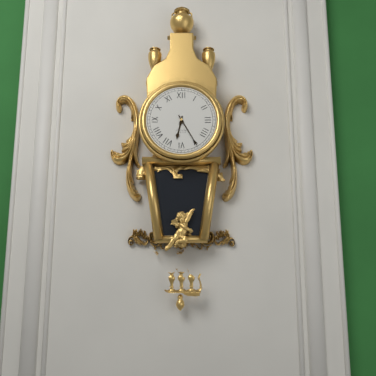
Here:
6 h 25 min
